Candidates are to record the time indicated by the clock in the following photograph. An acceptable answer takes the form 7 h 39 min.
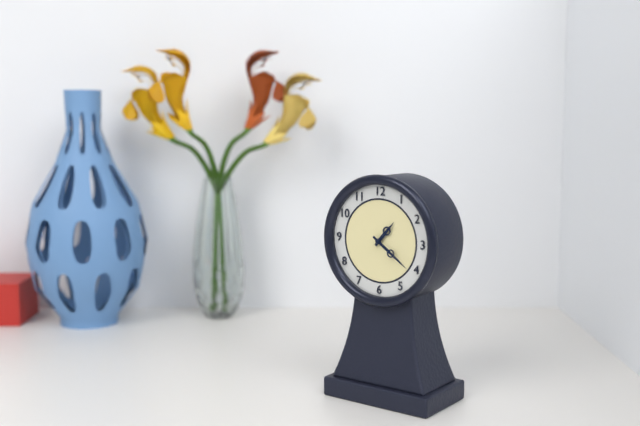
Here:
1 h 21 min
